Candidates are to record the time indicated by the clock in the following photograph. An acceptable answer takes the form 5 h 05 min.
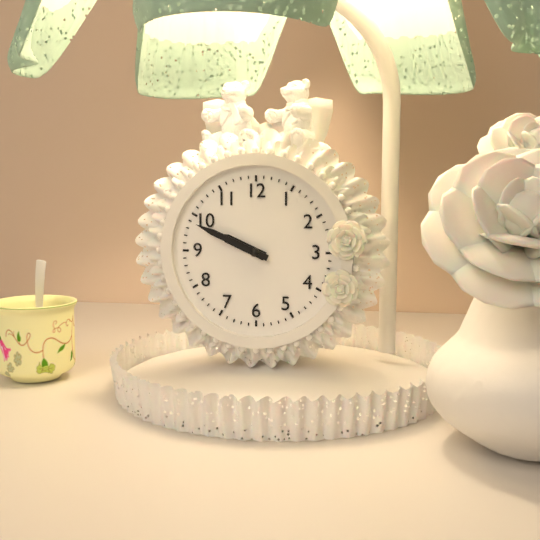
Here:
9 h 49 min
